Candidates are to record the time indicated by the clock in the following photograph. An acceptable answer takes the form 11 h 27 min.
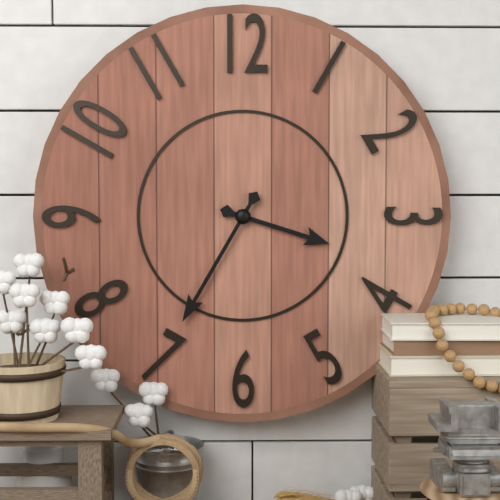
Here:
3 h 35 min
